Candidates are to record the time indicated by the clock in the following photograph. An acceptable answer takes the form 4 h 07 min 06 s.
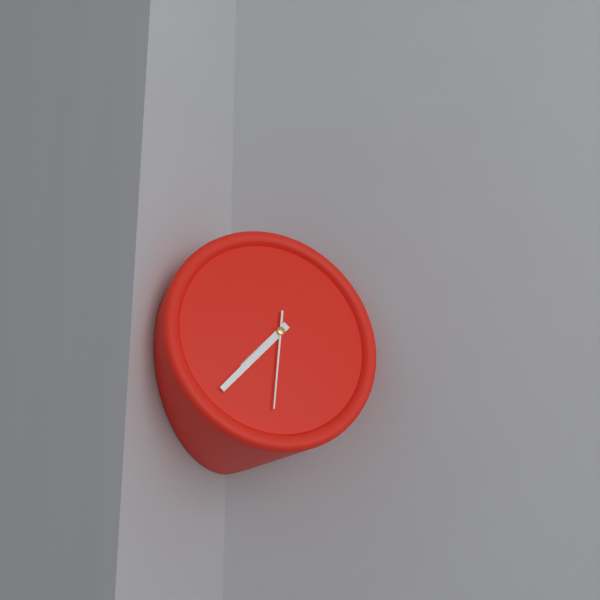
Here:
7 h 38 min 32 s
